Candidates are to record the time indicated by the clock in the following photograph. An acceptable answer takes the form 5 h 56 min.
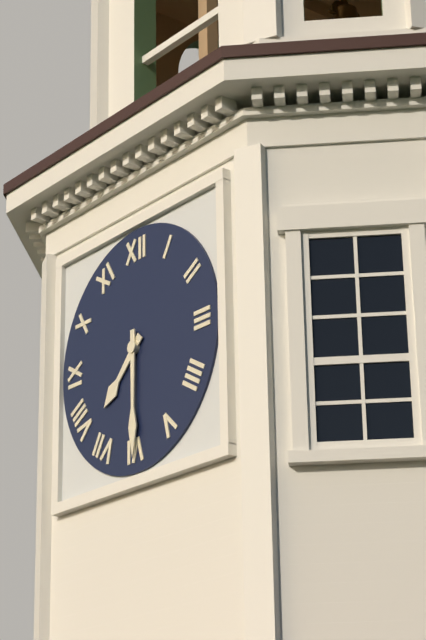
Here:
7 h 30 min
